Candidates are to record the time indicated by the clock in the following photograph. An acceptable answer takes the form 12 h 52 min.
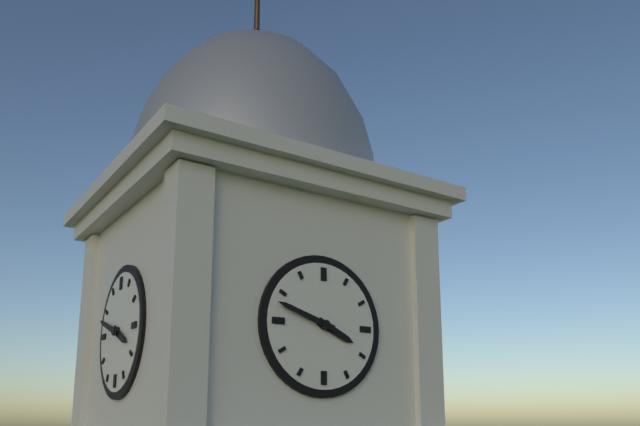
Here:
3 h 48 min
